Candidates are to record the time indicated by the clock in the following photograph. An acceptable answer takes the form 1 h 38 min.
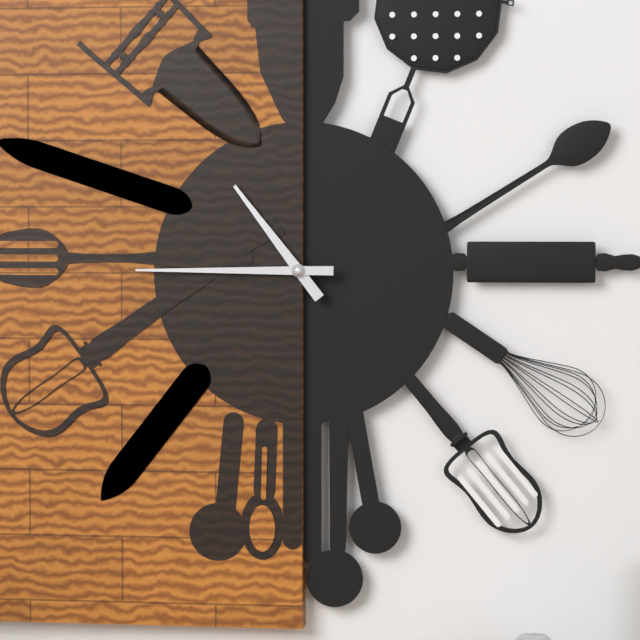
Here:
10 h 45 min
